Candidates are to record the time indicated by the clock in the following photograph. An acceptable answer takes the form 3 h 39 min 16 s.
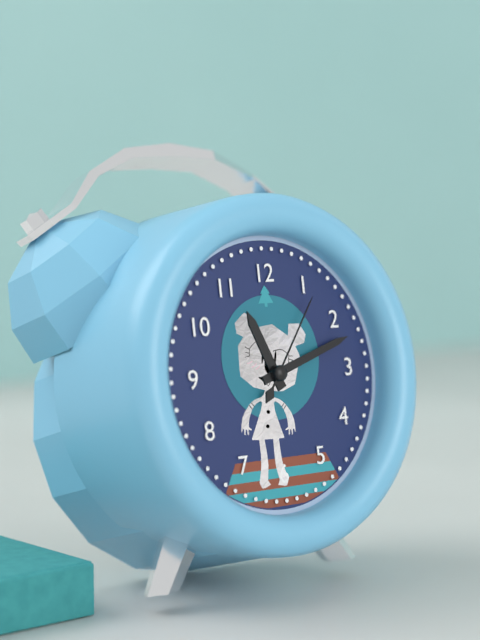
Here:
11 h 12 min 06 s
